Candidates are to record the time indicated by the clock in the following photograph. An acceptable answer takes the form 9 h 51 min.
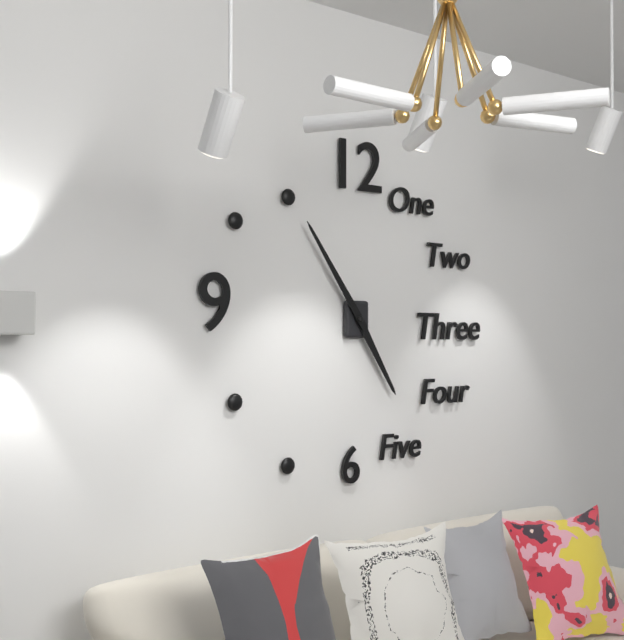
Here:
4 h 54 min
